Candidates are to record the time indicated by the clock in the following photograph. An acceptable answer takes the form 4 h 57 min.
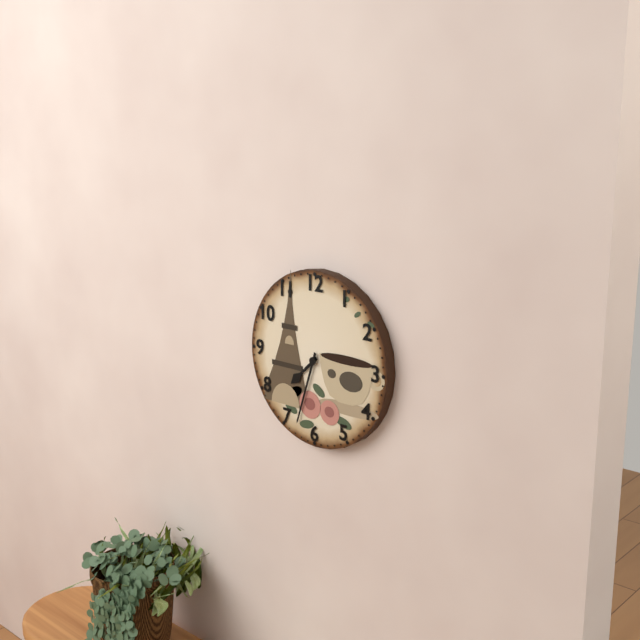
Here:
7 h 33 min
